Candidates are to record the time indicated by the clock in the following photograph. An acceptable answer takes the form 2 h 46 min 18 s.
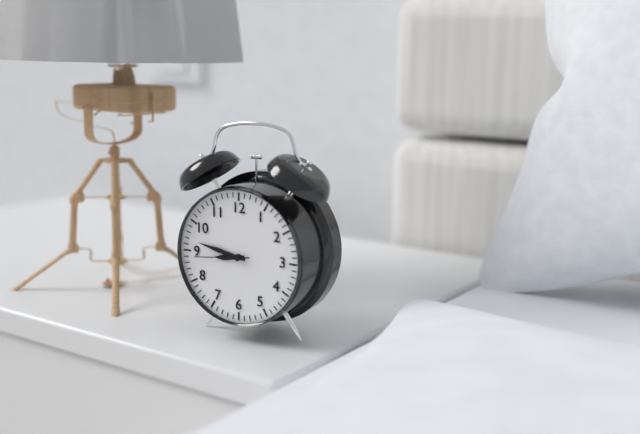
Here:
8 h 47 min 44 s
